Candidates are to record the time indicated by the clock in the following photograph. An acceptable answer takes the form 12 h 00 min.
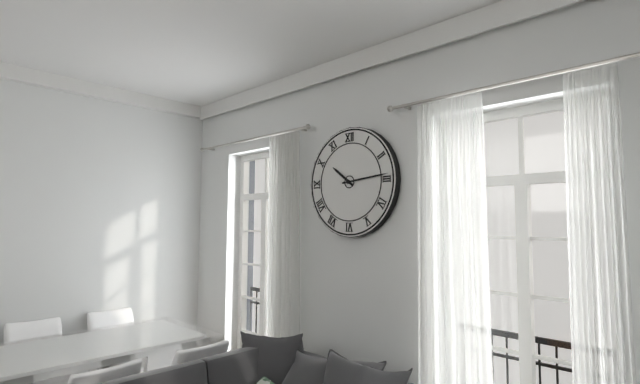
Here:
10 h 14 min
